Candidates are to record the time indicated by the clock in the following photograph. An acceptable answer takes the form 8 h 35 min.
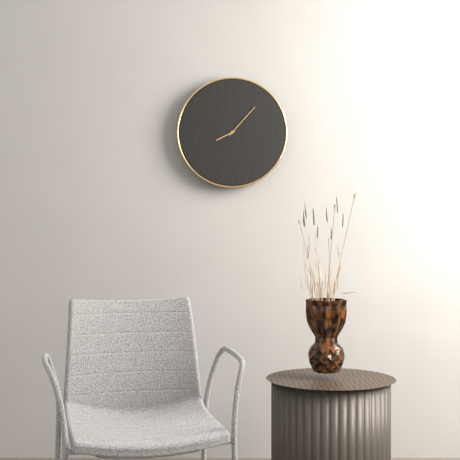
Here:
8 h 07 min
